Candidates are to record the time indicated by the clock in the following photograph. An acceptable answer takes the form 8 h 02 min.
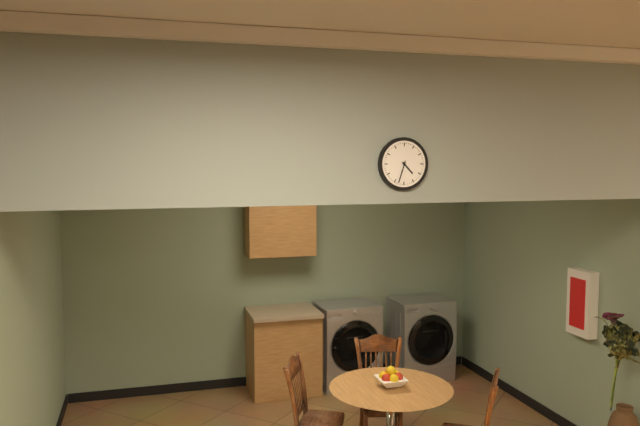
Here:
4 h 33 min
